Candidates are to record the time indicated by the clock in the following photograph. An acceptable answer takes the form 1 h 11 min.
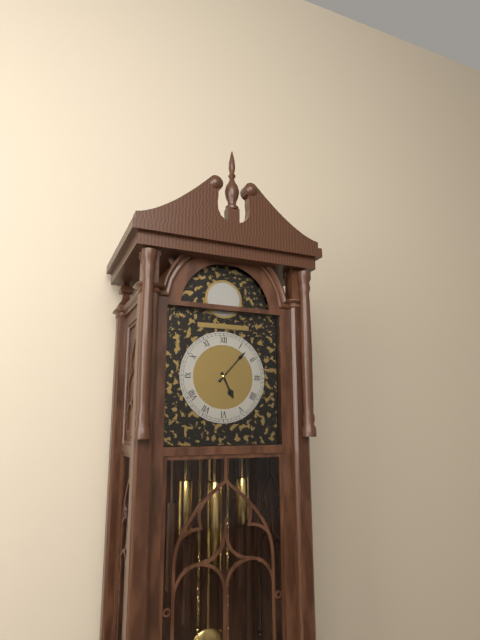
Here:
5 h 07 min
